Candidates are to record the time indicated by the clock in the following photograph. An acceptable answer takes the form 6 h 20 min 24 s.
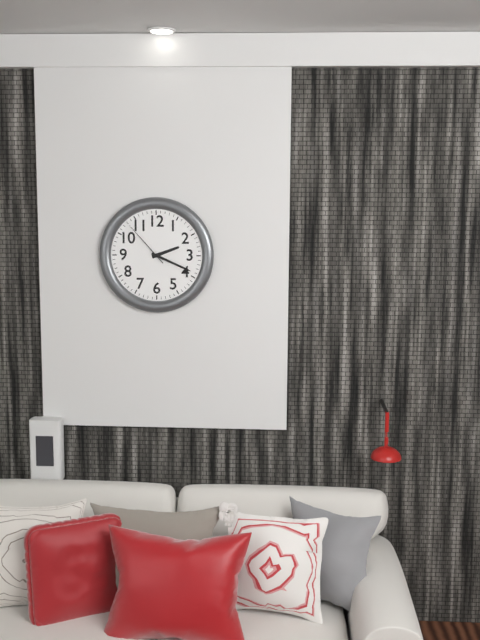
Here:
2 h 19 min 53 s
